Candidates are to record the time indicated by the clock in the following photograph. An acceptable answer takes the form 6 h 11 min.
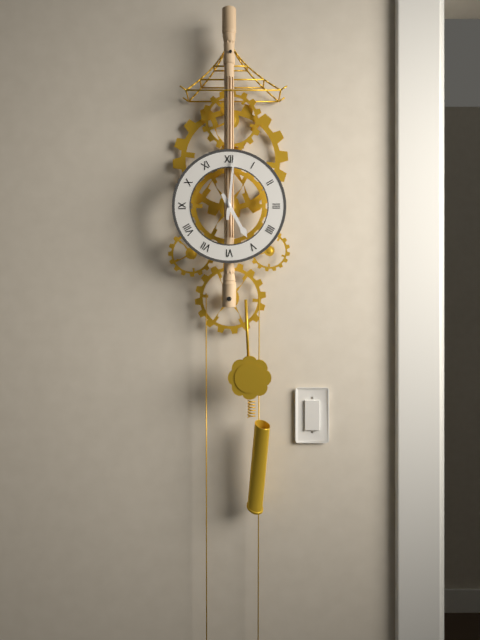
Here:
5 h 01 min
